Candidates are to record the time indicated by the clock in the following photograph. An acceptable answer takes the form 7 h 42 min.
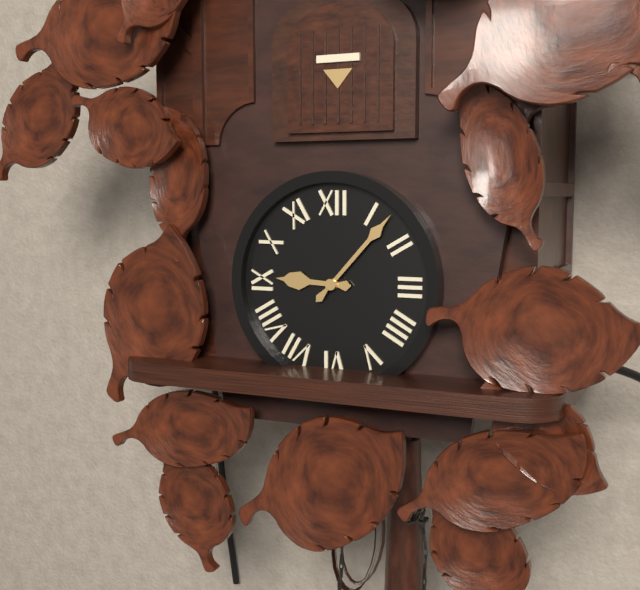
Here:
9 h 07 min
